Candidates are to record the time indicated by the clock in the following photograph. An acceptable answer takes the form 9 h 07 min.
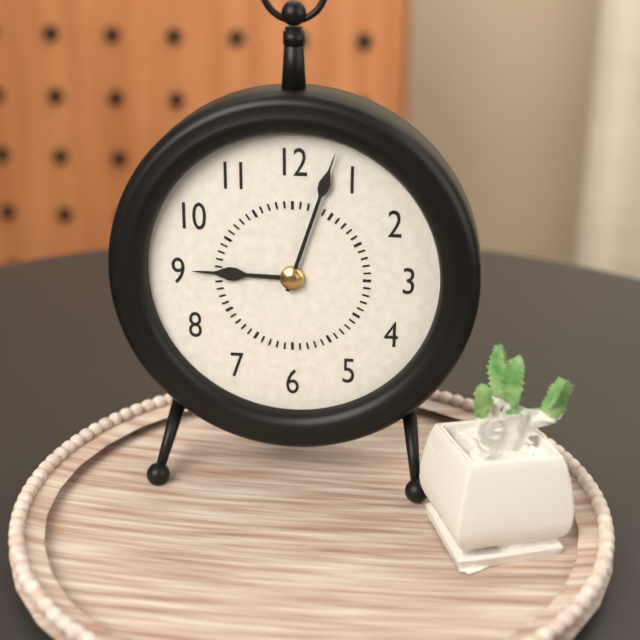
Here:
9 h 03 min
